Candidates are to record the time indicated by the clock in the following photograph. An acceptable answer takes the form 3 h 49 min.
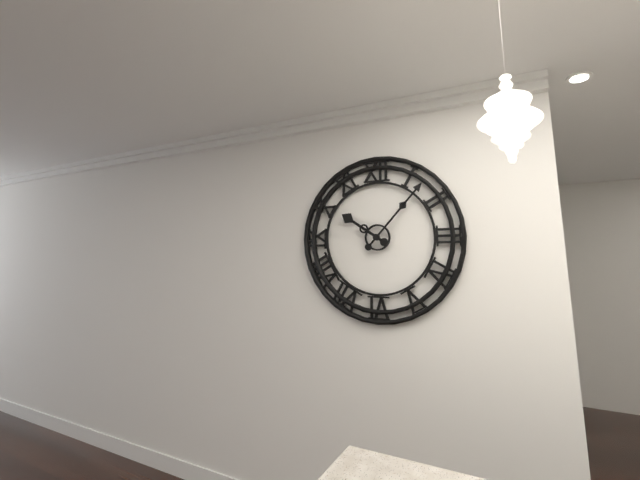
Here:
10 h 07 min
